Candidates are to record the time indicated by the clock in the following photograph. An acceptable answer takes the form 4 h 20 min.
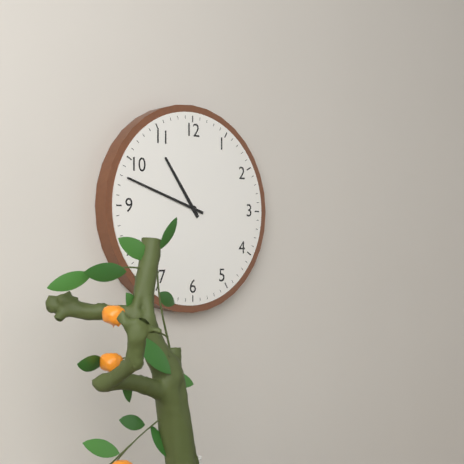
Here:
10 h 48 min
